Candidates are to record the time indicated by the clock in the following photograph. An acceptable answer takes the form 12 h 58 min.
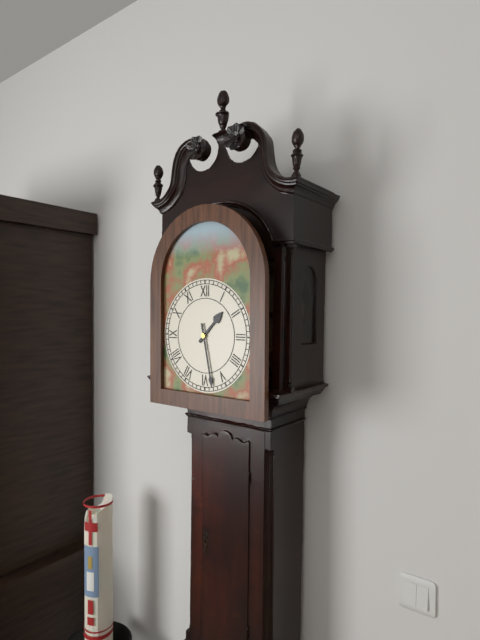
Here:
1 h 28 min
